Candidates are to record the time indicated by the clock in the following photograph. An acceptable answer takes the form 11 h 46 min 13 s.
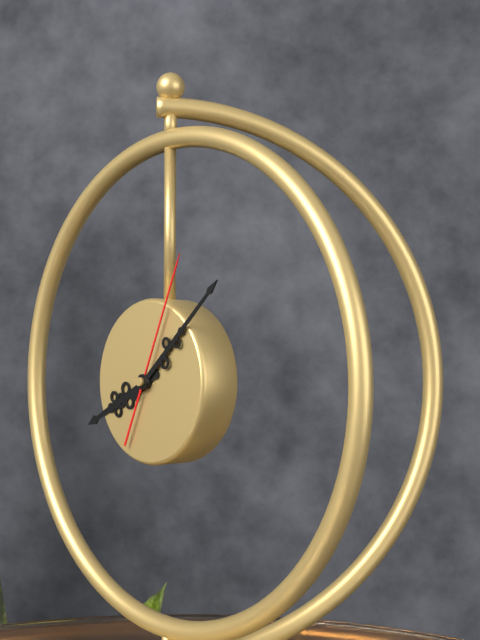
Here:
8 h 08 min 04 s
